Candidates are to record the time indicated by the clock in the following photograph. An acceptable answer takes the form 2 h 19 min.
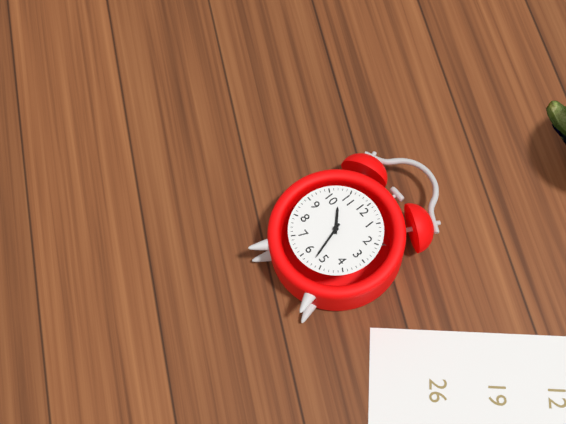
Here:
10 h 27 min
